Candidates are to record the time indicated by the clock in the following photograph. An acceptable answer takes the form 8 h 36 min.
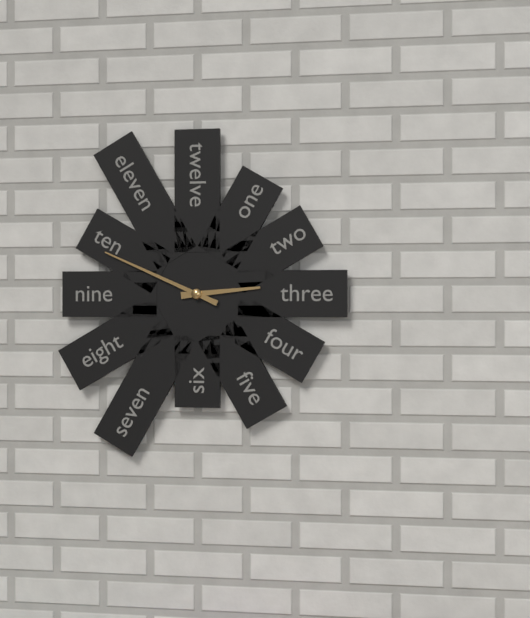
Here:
2 h 49 min
